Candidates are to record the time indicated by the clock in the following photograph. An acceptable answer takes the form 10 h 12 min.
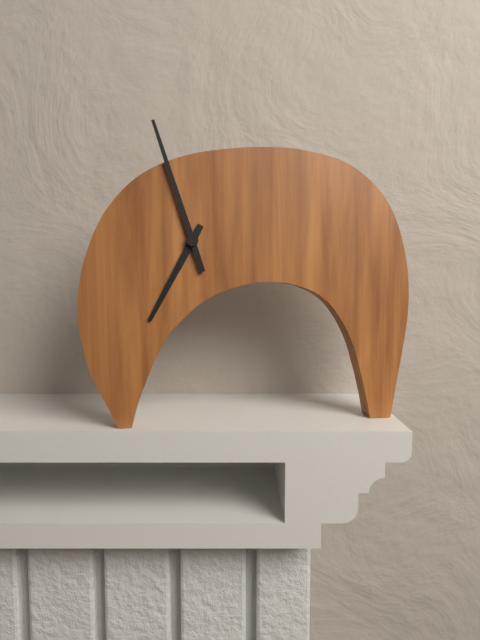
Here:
6 h 57 min
